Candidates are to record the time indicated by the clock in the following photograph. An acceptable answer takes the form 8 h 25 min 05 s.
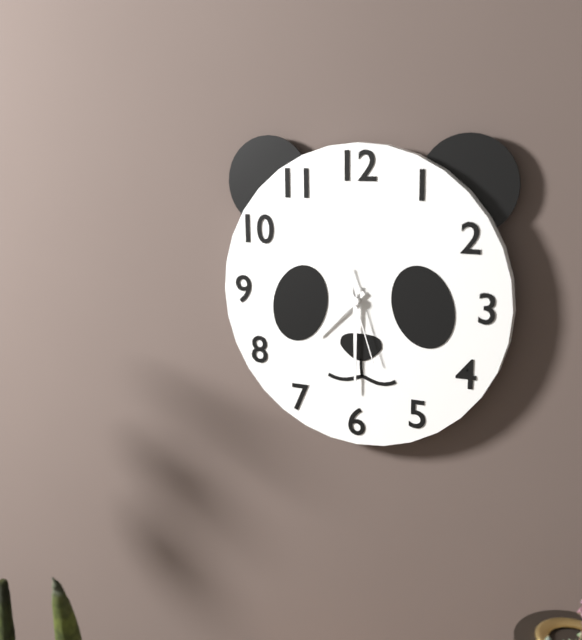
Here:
7 h 30 min 27 s
